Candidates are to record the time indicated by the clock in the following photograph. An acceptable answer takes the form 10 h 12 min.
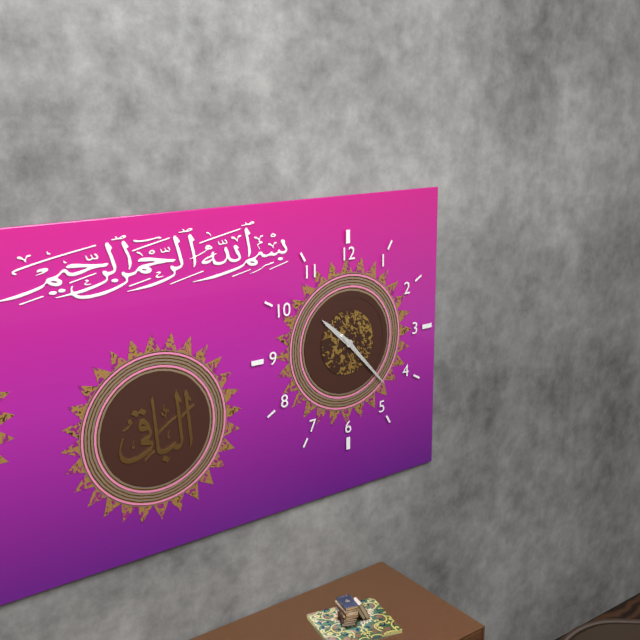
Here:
10 h 23 min
